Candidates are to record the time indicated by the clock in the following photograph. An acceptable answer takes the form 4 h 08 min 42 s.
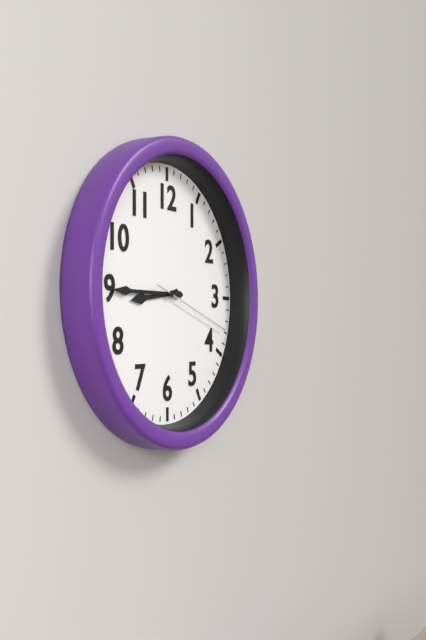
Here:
8 h 45 min 18 s
